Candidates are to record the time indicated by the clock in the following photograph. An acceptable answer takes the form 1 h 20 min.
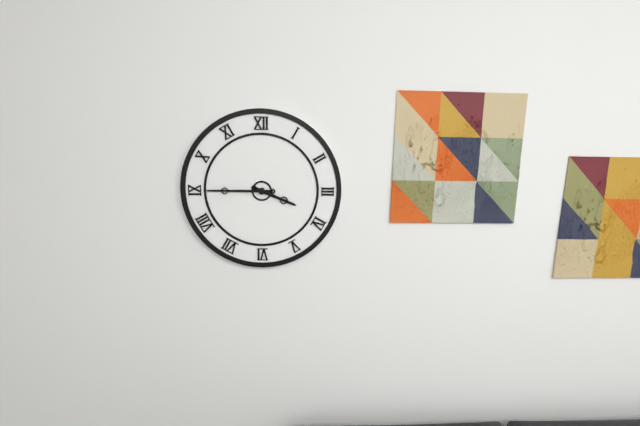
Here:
3 h 45 min
